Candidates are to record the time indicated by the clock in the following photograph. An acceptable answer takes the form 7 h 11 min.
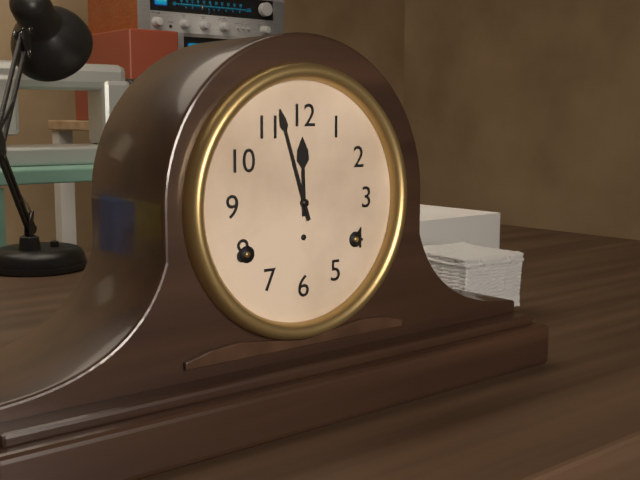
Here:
11 h 57 min
